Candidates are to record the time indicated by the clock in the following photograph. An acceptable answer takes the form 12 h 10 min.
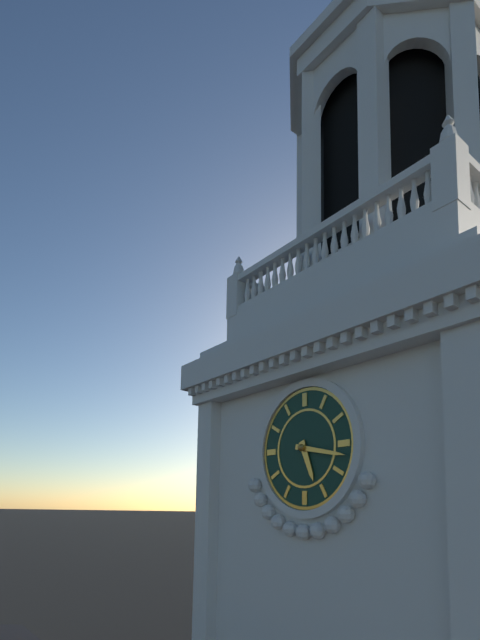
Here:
5 h 17 min
